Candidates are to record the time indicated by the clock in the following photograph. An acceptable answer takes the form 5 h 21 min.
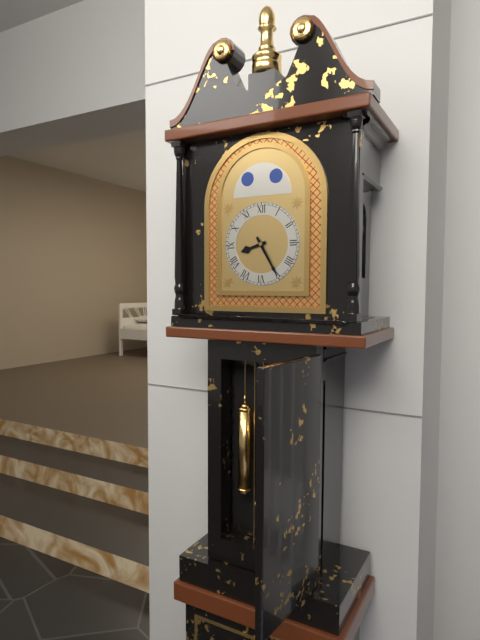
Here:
8 h 25 min
